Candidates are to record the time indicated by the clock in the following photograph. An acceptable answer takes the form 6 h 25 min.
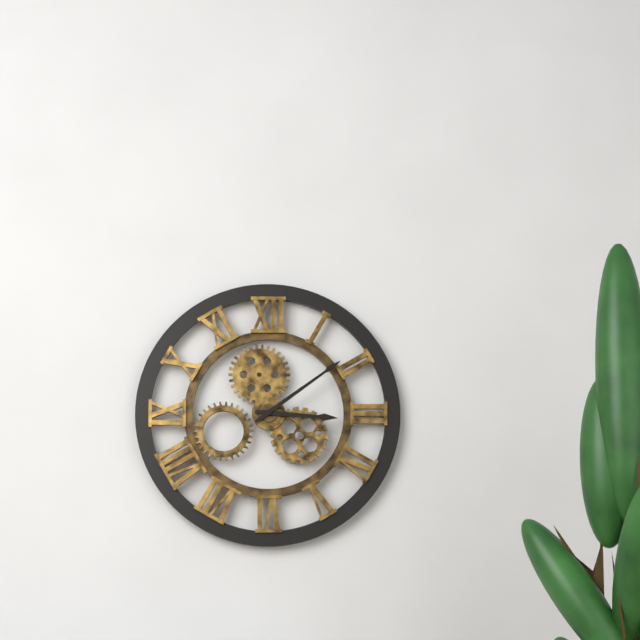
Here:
3 h 09 min
